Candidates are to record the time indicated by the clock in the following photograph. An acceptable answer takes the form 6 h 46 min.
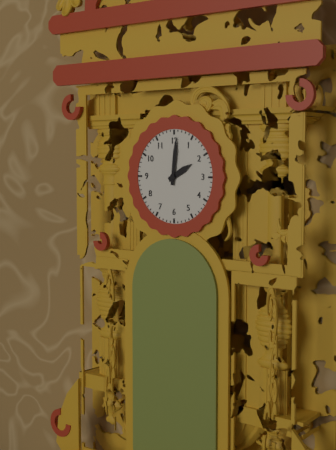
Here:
2 h 01 min
